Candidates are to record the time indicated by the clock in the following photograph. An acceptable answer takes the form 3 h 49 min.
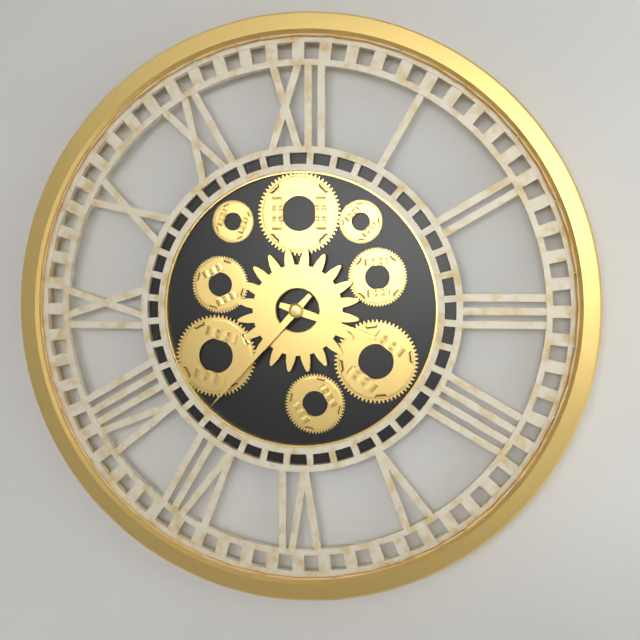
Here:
3 h 37 min
